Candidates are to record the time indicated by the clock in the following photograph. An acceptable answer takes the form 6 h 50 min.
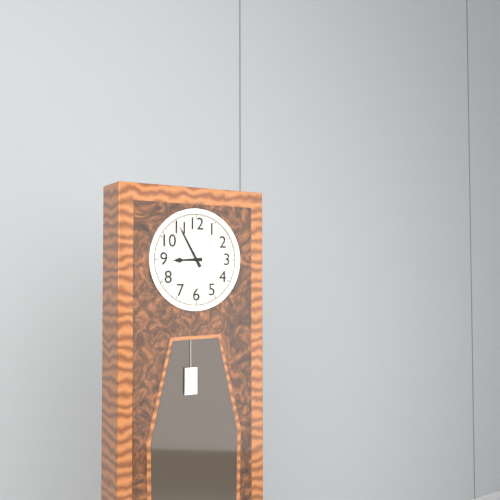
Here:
8 h 55 min
